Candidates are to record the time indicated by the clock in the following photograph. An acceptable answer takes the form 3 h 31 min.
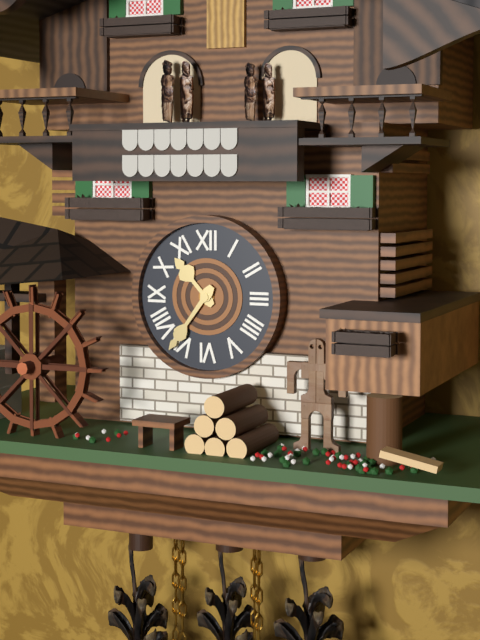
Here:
10 h 36 min
